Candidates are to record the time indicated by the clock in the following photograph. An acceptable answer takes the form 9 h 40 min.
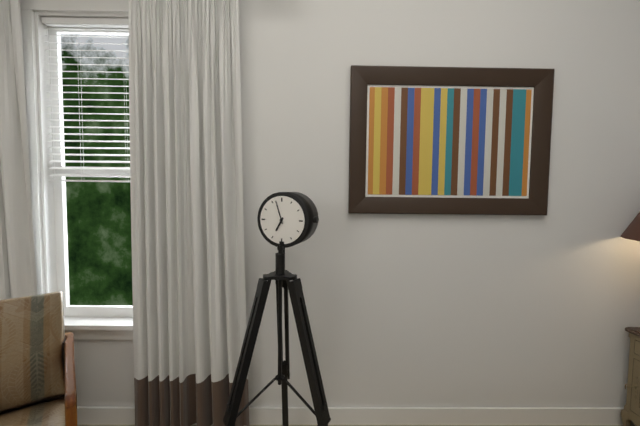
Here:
6 h 57 min
